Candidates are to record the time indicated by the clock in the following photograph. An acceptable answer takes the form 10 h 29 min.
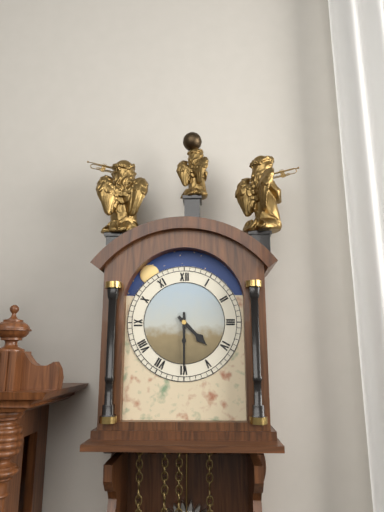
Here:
4 h 30 min
